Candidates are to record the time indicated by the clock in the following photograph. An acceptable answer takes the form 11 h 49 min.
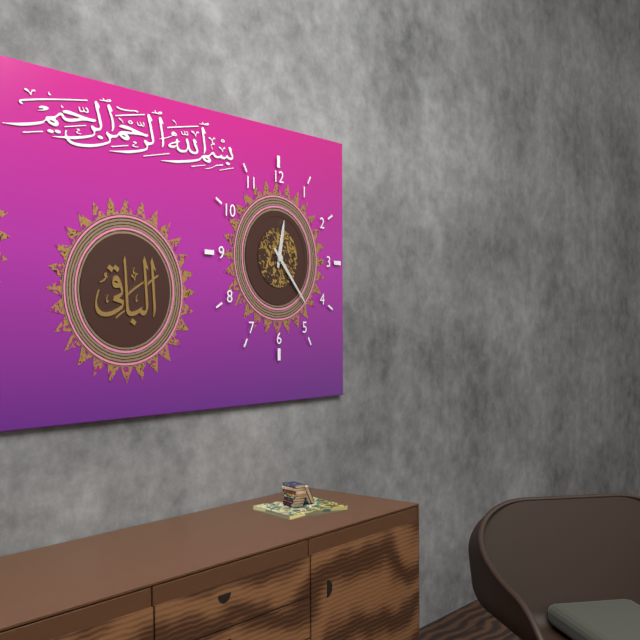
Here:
12 h 23 min
